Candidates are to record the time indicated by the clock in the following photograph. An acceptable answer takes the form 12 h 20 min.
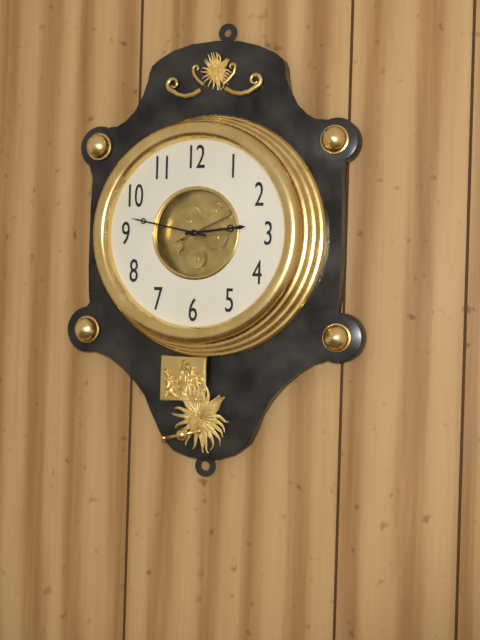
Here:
2 h 47 min
